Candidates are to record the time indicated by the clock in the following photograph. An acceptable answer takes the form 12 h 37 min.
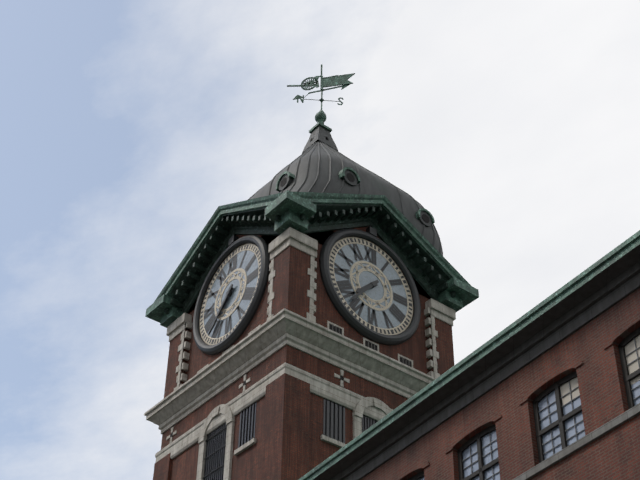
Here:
7 h 37 min
